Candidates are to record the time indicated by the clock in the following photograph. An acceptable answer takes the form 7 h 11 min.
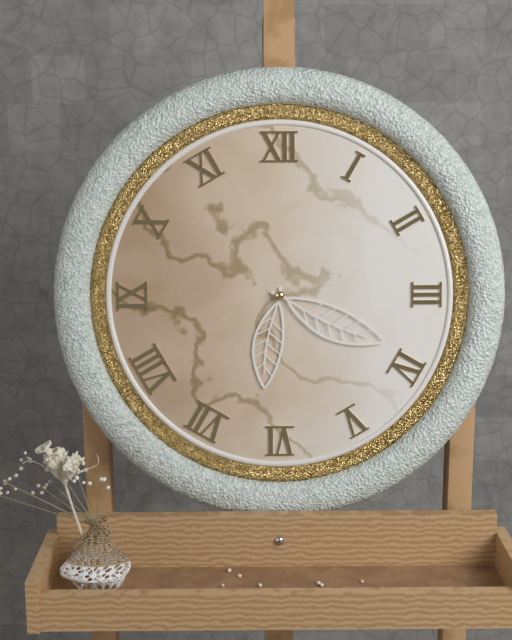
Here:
6 h 19 min
